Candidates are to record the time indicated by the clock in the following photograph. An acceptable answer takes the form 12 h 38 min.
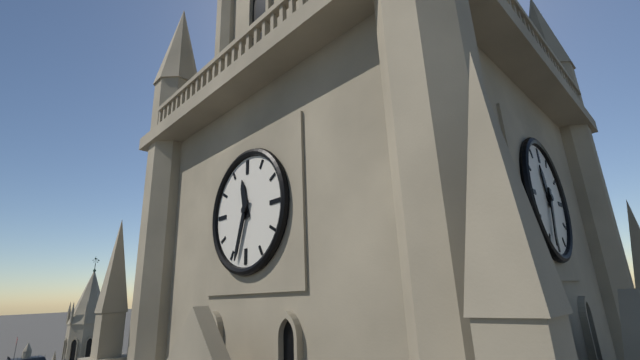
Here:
11 h 33 min
